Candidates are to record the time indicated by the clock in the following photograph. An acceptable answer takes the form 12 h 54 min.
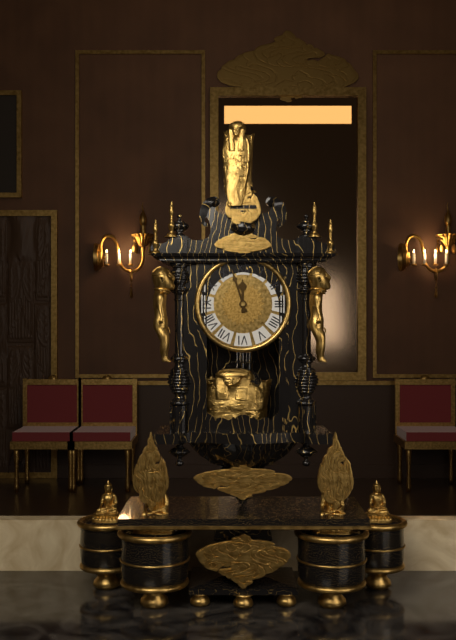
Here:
11 h 57 min
